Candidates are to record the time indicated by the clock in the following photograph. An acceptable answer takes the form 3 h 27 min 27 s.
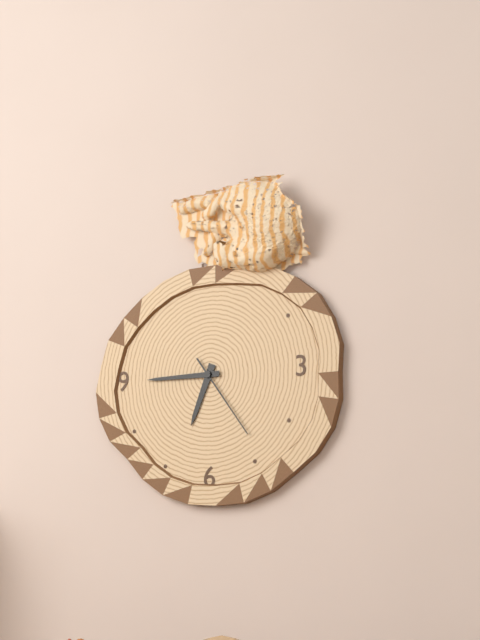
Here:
6 h 45 min 24 s
